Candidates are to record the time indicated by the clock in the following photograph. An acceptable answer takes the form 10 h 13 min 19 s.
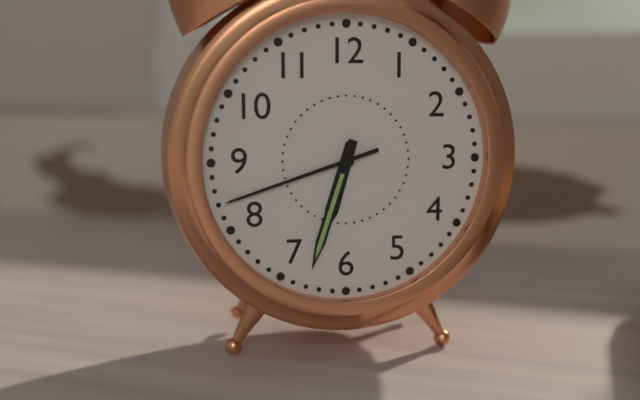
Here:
6 h 33 min 42 s
